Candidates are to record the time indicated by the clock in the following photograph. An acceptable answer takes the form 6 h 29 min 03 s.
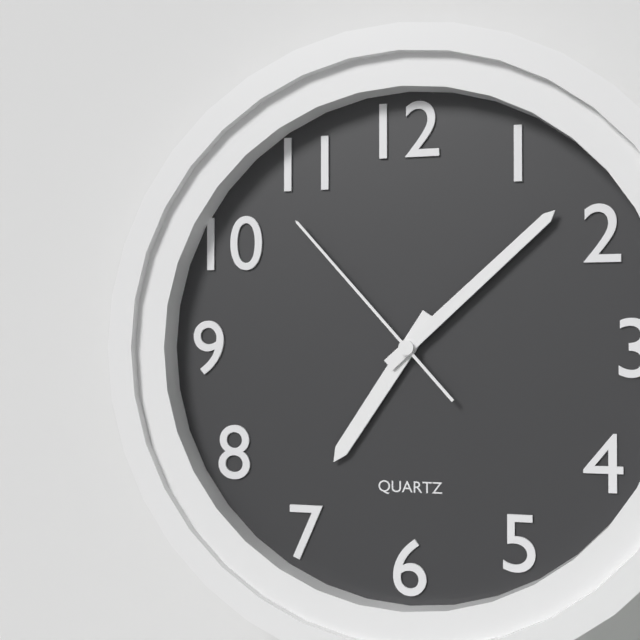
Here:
7 h 08 min 53 s
